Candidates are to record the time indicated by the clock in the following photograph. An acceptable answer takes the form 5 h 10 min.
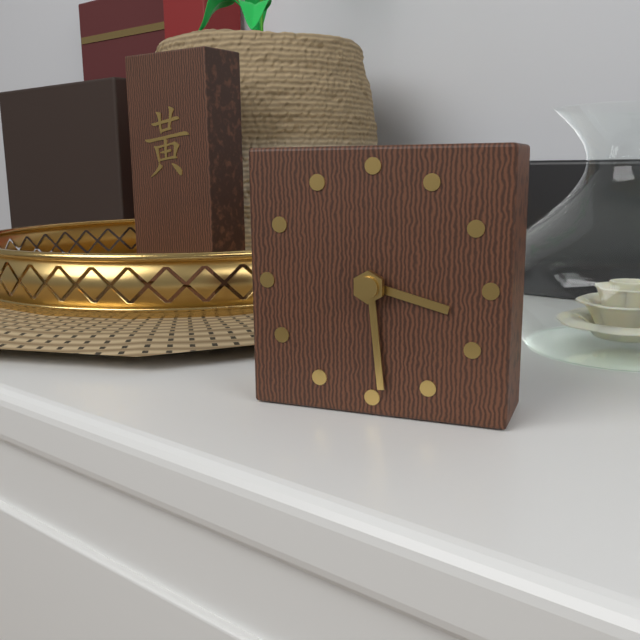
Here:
3 h 29 min
